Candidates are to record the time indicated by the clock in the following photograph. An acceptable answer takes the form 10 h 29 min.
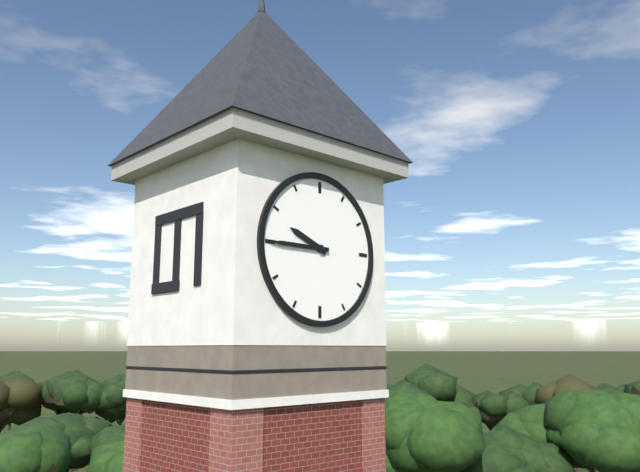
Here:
9 h 45 min
